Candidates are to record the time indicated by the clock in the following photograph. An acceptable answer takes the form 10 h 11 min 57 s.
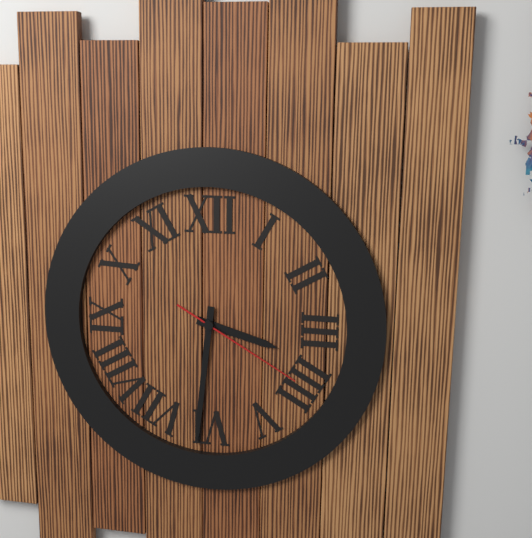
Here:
3 h 31 min 20 s
